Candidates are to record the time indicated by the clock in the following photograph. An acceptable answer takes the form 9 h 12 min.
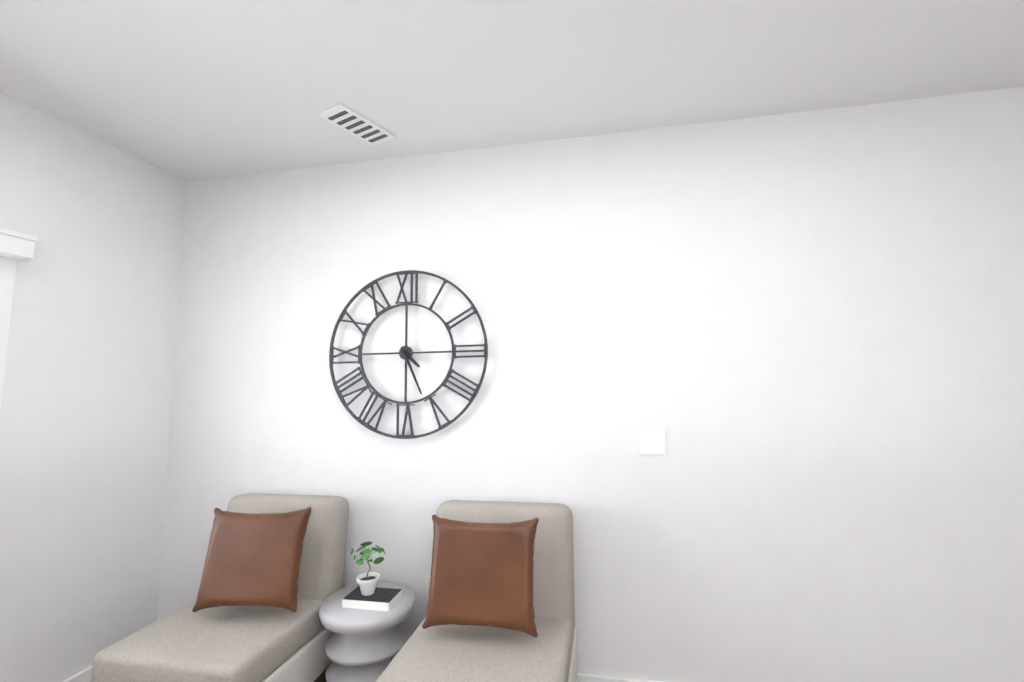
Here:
4 h 26 min
